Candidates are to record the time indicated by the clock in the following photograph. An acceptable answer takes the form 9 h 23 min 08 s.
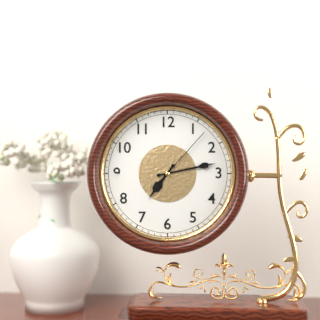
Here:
7 h 13 min 07 s
